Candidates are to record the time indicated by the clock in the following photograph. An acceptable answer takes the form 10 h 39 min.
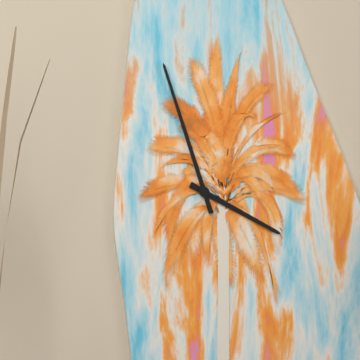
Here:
3 h 57 min
